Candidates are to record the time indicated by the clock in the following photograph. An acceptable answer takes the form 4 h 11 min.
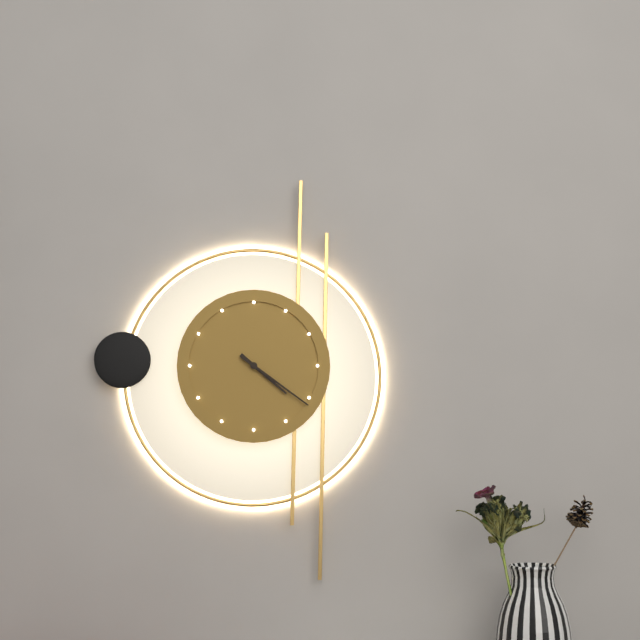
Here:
4 h 21 min
